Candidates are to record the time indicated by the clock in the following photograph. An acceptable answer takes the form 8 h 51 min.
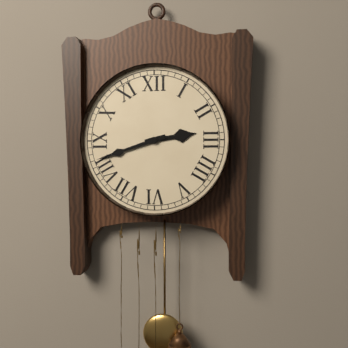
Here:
2 h 42 min
